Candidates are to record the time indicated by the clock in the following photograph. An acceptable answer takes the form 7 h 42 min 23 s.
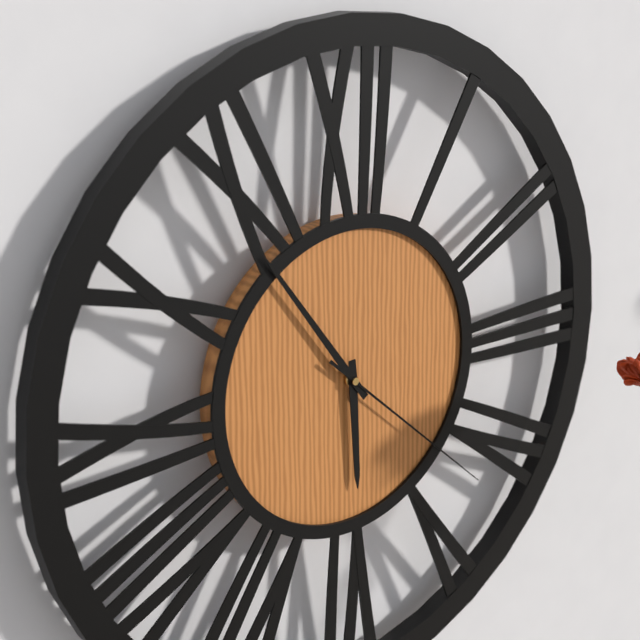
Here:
5 h 54 min 22 s
